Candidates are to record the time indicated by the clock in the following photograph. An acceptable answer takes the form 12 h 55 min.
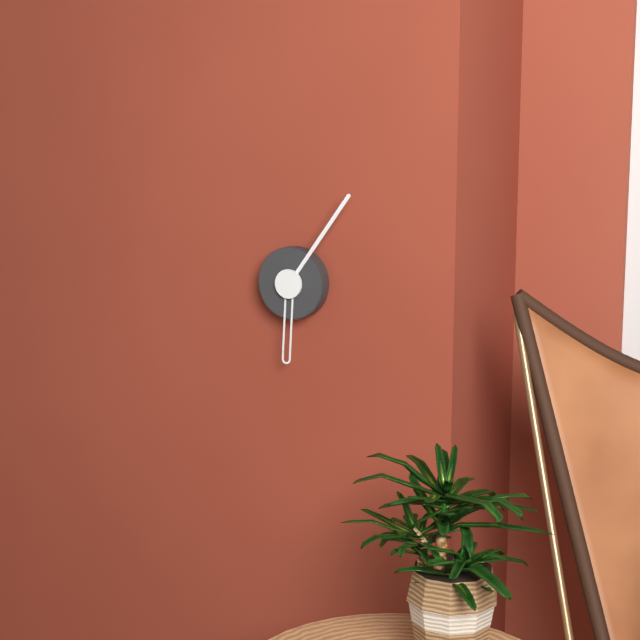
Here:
6 h 06 min
